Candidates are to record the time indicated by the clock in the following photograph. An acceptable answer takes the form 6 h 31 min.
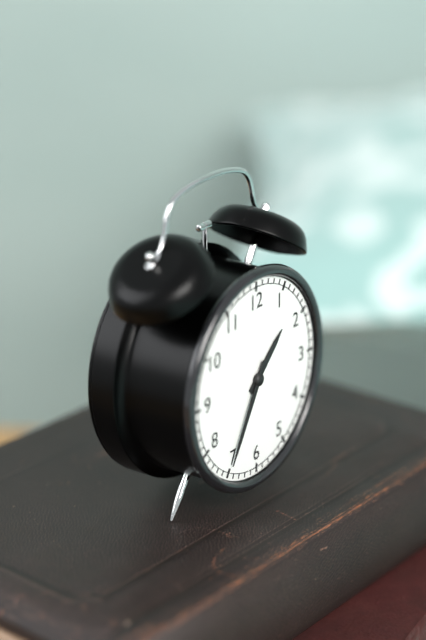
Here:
1 h 35 min
